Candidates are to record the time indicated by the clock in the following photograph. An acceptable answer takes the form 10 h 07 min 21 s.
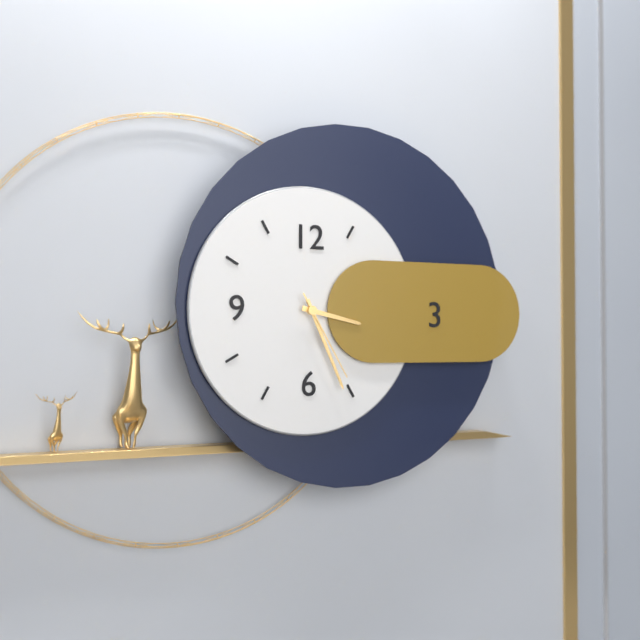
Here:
3 h 26 min 25 s
